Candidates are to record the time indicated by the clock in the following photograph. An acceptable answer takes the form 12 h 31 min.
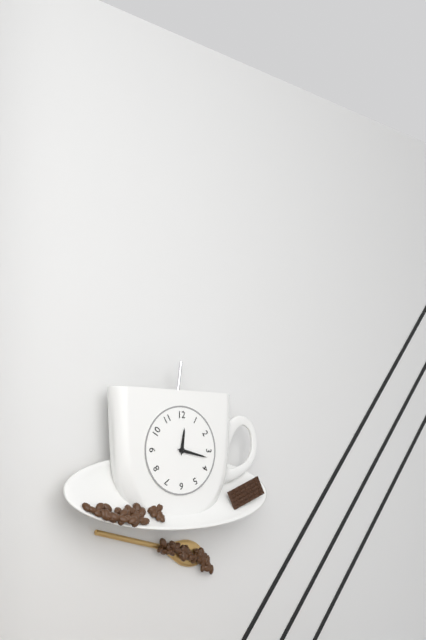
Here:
12 h 17 min
